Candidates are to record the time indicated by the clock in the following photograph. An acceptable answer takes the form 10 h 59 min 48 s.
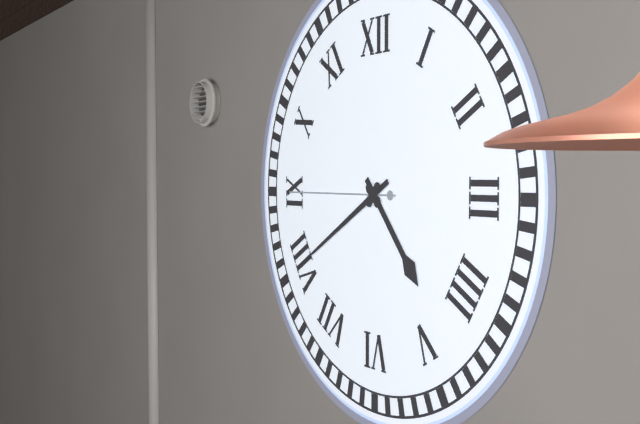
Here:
4 h 40 min 45 s
